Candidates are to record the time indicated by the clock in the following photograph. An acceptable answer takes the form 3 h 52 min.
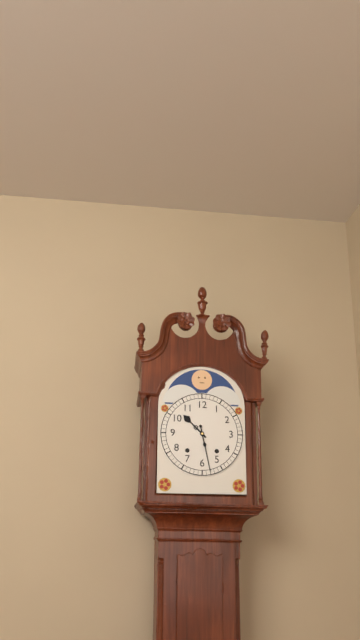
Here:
10 h 28 min
